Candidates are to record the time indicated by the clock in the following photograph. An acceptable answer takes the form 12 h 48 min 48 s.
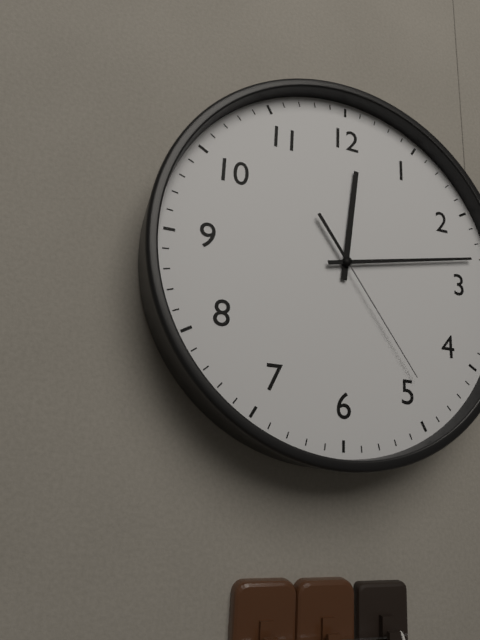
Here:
12 h 13 min 24 s
